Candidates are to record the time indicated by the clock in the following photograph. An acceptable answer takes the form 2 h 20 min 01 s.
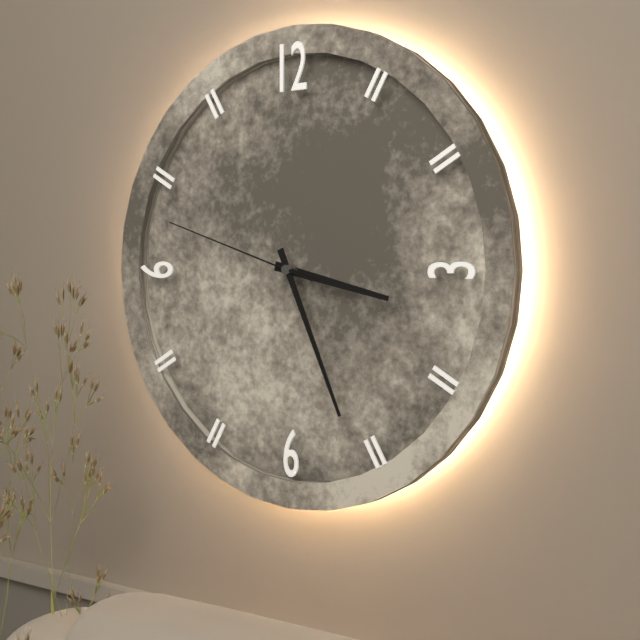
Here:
3 h 26 min 48 s
